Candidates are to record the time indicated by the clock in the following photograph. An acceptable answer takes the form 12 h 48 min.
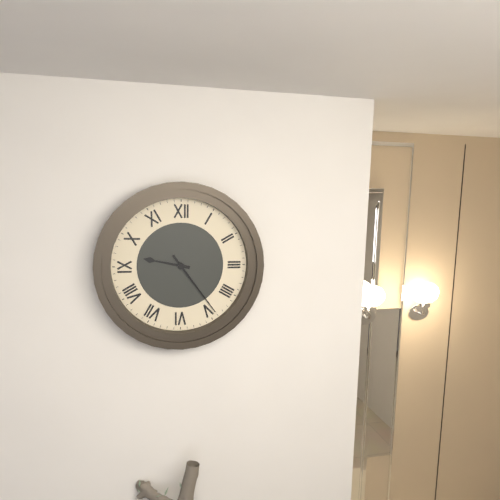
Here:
9 h 24 min
